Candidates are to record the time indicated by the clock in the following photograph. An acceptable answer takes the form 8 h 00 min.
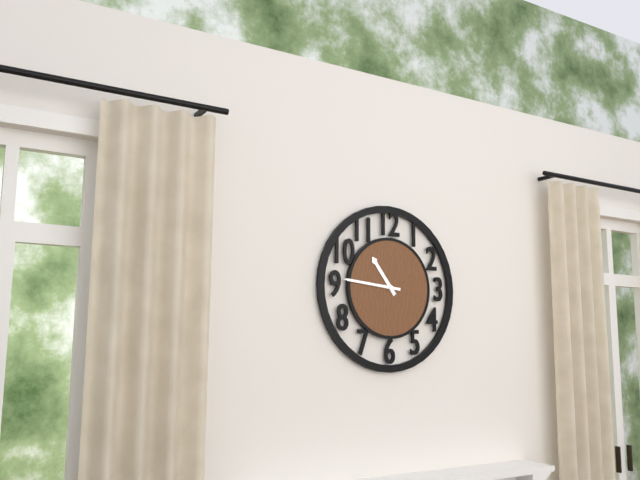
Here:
10 h 46 min
